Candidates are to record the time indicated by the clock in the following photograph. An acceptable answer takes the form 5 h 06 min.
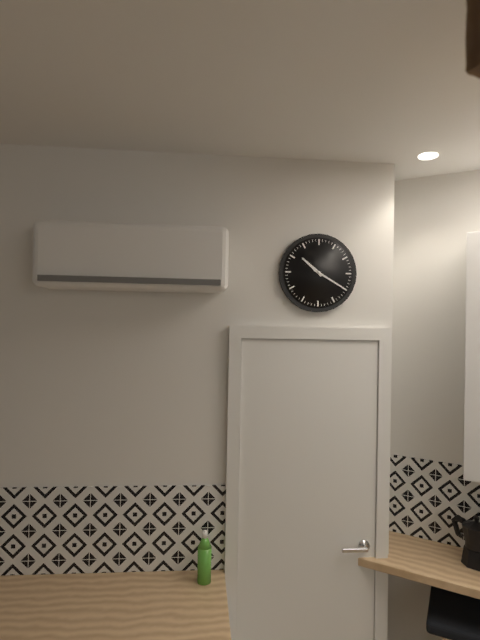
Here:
10 h 20 min
